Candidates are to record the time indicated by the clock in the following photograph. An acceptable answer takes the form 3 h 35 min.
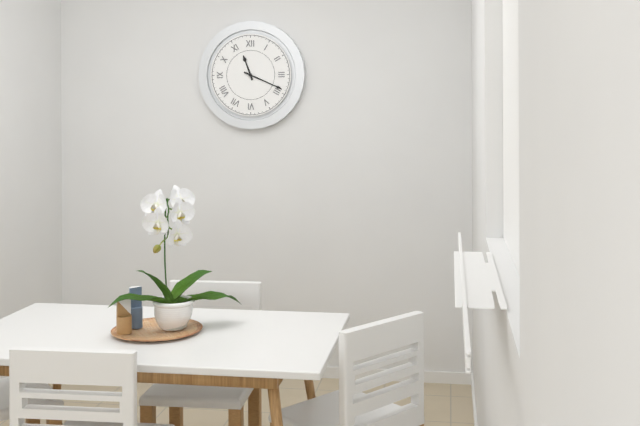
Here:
11 h 19 min
